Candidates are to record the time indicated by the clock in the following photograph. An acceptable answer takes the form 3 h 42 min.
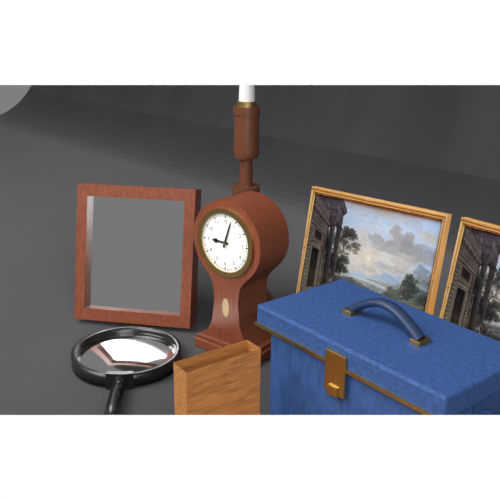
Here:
9 h 03 min
